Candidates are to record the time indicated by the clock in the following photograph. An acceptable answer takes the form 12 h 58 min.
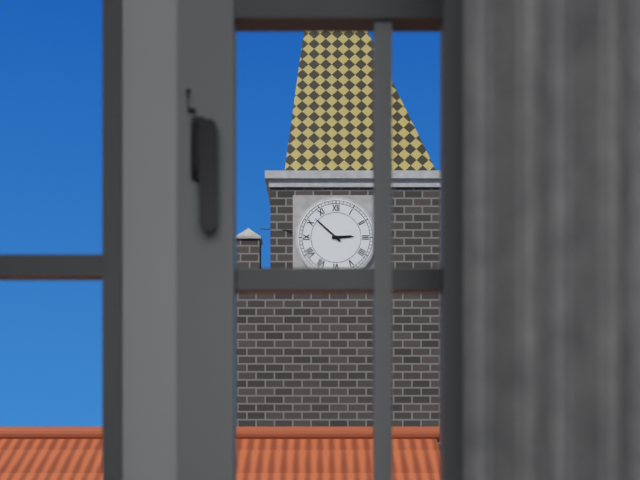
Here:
2 h 52 min
